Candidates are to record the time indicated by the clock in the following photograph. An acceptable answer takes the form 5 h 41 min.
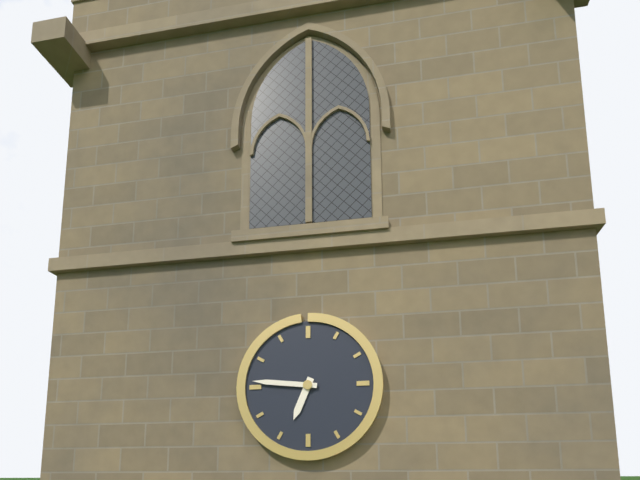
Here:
6 h 46 min
